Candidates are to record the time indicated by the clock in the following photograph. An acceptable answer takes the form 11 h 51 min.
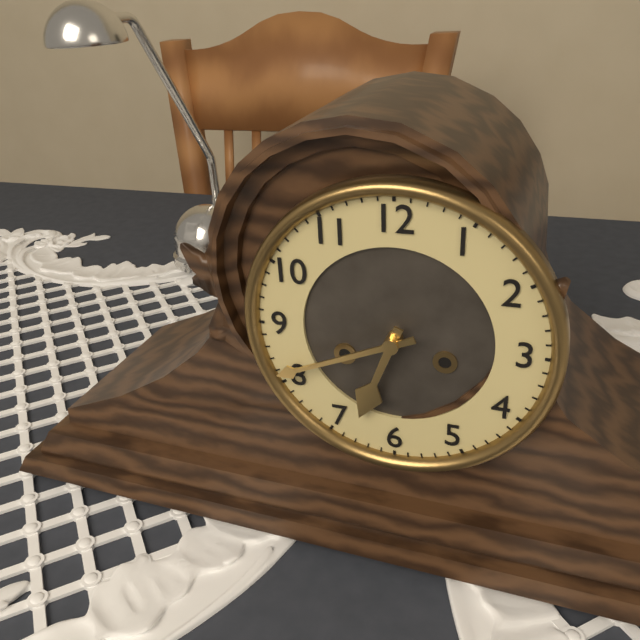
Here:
6 h 41 min
